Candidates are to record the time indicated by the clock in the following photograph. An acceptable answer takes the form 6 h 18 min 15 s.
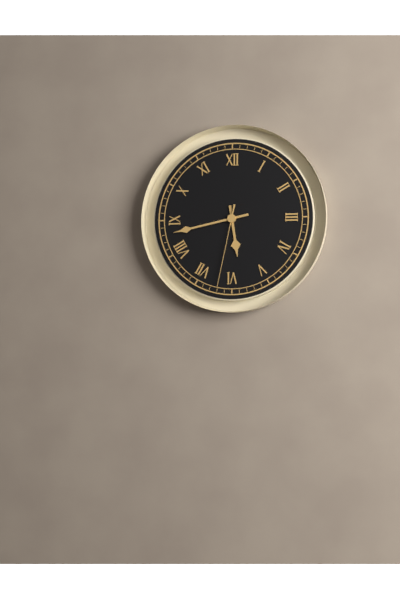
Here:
5 h 43 min 32 s
